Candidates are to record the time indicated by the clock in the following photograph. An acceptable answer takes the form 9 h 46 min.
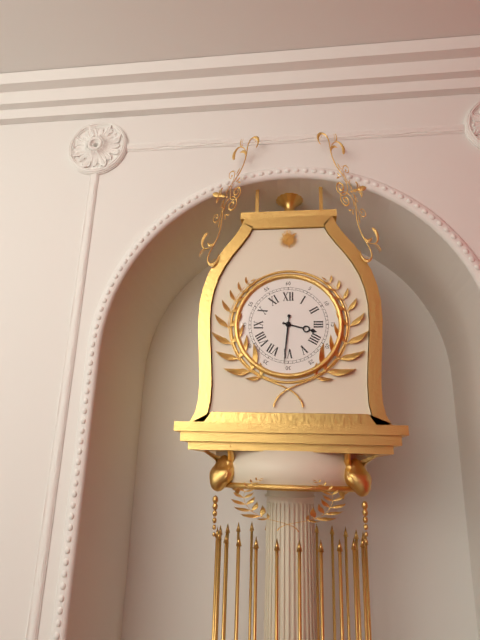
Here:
3 h 31 min
